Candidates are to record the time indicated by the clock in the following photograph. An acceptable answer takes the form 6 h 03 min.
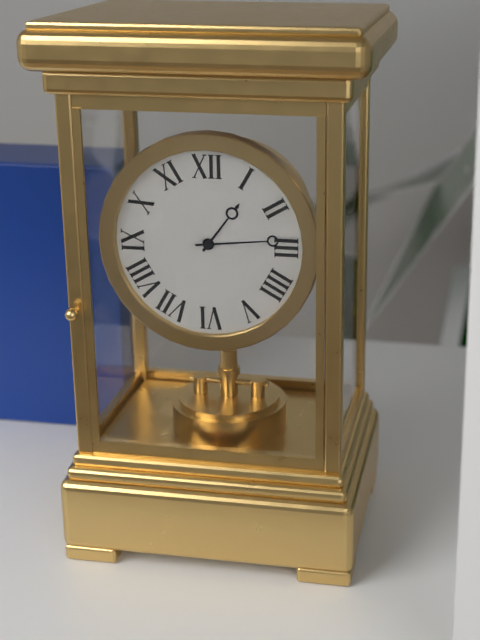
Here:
1 h 14 min
